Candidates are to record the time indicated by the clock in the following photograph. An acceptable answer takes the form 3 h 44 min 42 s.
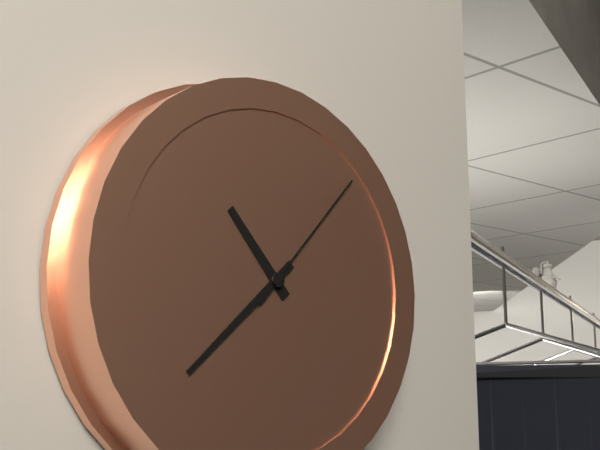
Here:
10 h 38 min 07 s
